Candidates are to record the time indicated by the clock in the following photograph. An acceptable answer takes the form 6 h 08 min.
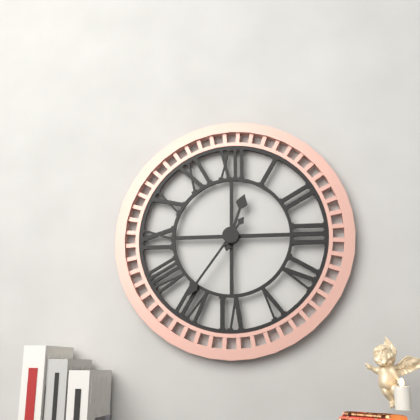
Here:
12 h 36 min
